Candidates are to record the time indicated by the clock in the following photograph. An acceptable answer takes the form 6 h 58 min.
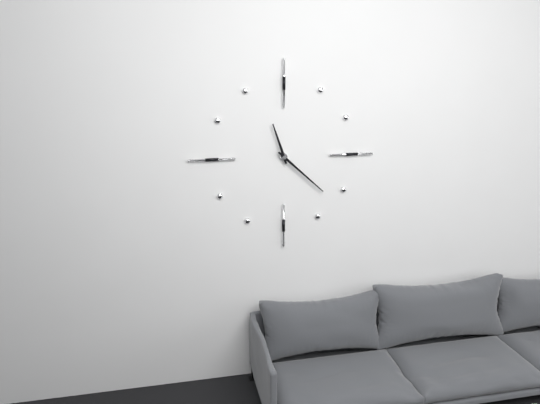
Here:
11 h 22 min
